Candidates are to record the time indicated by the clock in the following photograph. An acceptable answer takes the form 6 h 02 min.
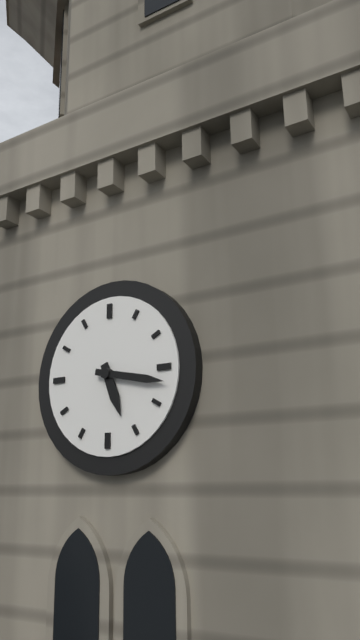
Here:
5 h 17 min
